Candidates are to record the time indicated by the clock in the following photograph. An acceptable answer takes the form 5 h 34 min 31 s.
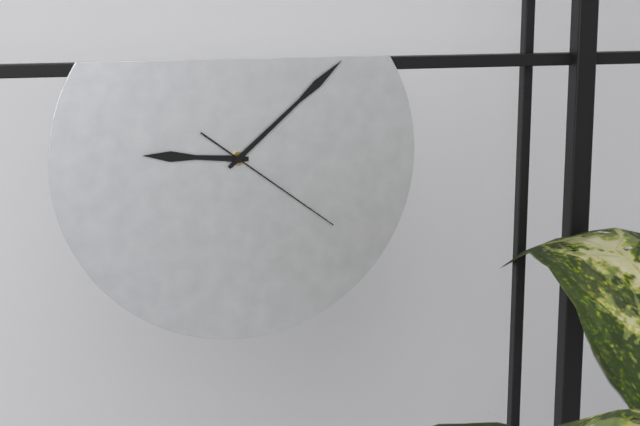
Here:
9 h 08 min 21 s
